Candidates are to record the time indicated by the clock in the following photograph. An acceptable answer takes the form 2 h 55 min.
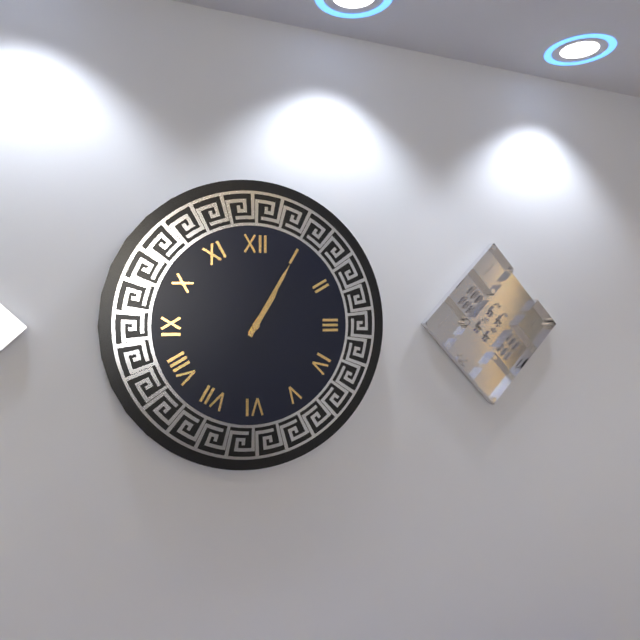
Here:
1 h 05 min
